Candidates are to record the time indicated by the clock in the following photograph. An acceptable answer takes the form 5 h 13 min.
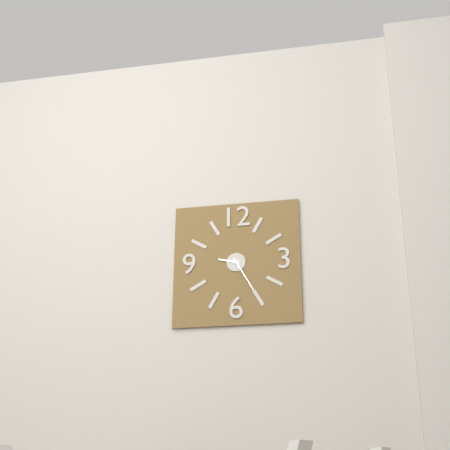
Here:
9 h 25 min
